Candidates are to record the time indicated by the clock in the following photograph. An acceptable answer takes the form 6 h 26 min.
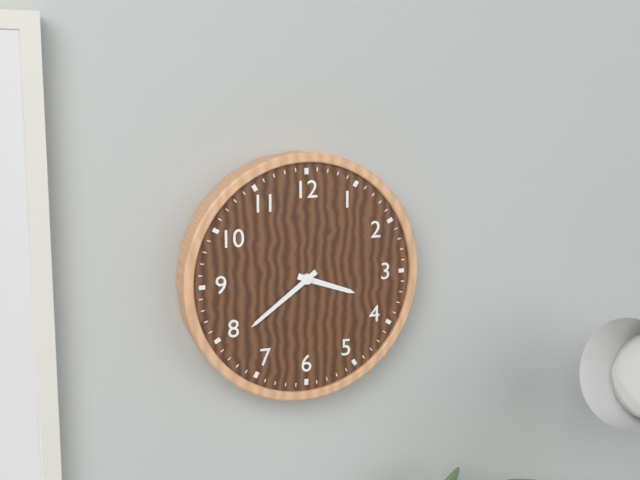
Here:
3 h 39 min
